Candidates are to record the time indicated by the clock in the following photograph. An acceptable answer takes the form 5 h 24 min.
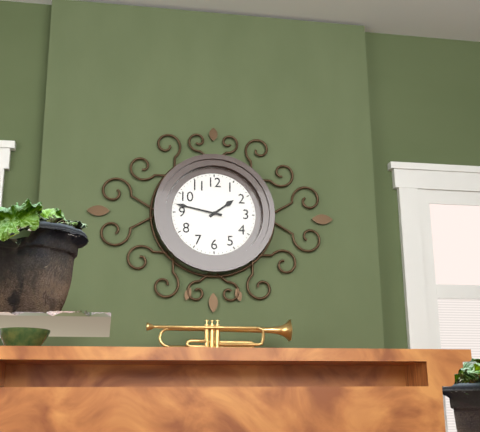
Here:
1 h 47 min
